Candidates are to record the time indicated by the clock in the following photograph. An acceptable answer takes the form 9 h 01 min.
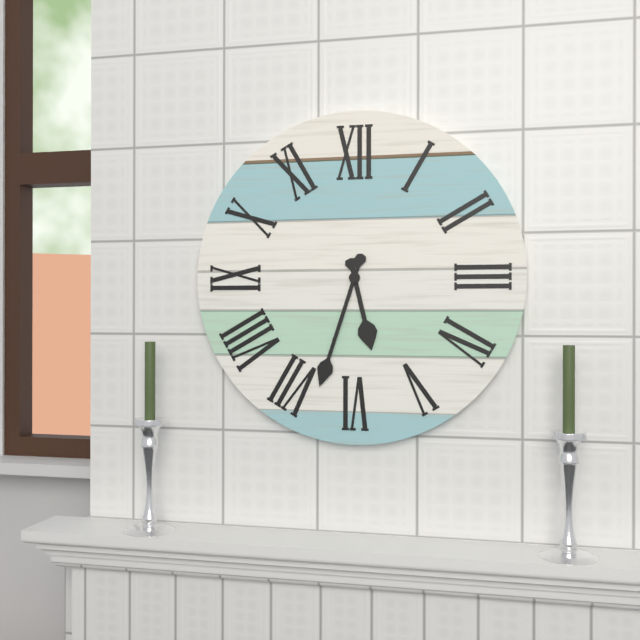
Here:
5 h 33 min
